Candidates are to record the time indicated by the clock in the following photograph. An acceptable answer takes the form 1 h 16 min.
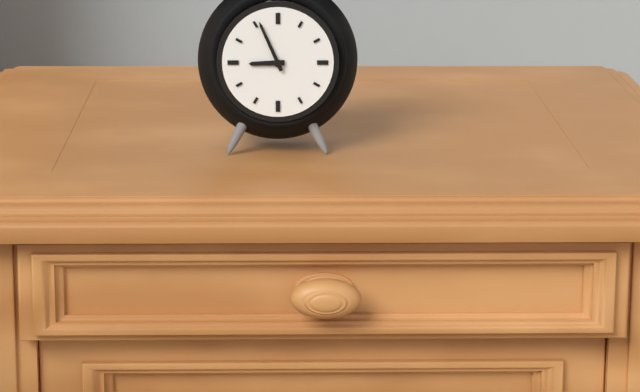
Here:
8 h 56 min
